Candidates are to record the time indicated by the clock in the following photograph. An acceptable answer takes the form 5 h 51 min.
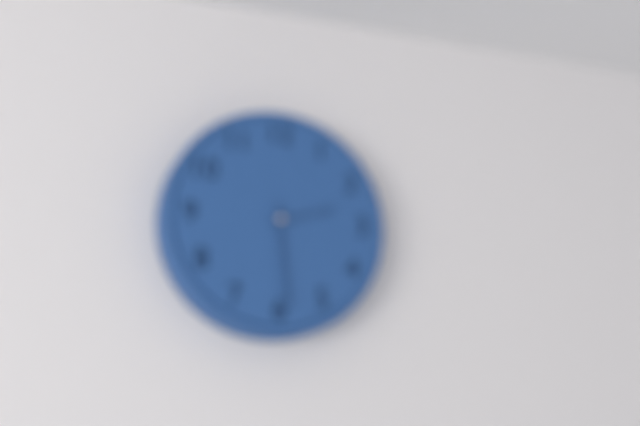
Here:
2 h 29 min
